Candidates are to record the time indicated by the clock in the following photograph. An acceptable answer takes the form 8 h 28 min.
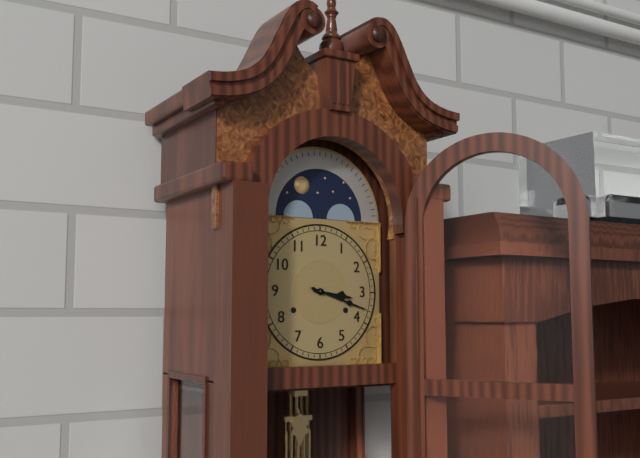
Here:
3 h 18 min
